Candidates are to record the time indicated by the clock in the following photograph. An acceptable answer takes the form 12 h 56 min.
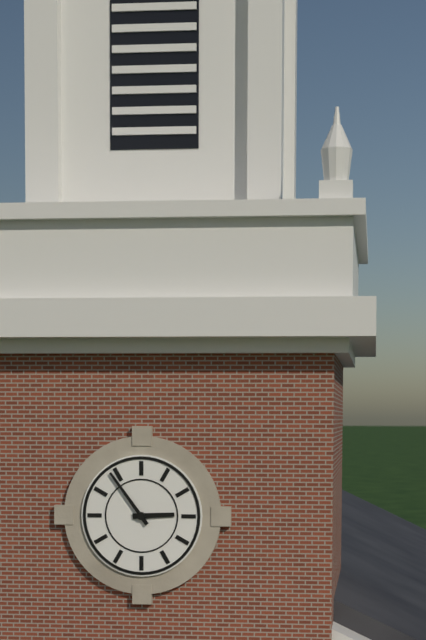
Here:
2 h 54 min
